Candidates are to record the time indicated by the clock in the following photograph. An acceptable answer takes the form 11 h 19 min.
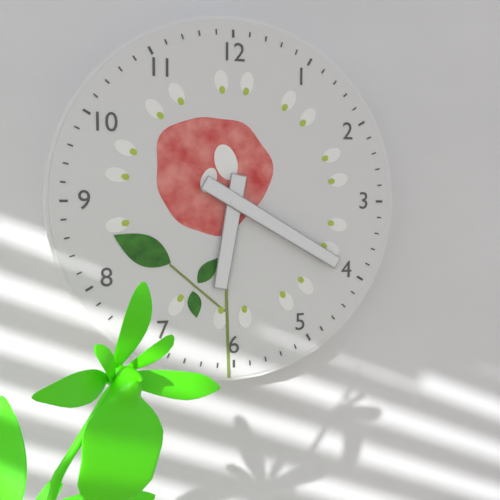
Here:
6 h 20 min
